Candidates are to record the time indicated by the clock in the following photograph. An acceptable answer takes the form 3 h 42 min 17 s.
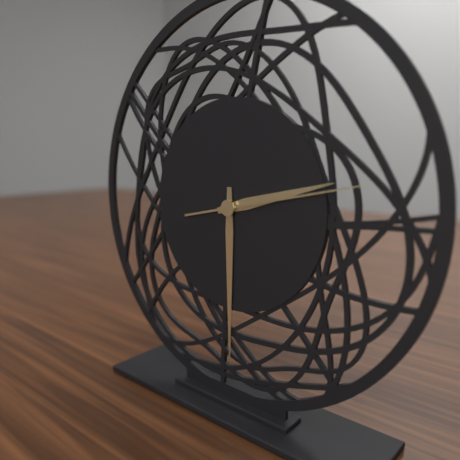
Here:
2 h 30 min 13 s
